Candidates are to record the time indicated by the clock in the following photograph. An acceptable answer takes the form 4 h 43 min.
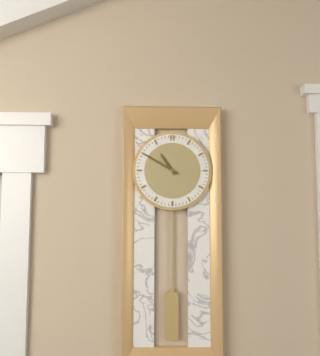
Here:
10 h 50 min
